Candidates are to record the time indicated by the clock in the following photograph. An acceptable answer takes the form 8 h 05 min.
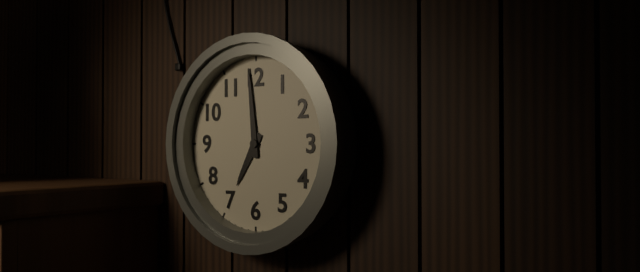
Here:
6 h 59 min
